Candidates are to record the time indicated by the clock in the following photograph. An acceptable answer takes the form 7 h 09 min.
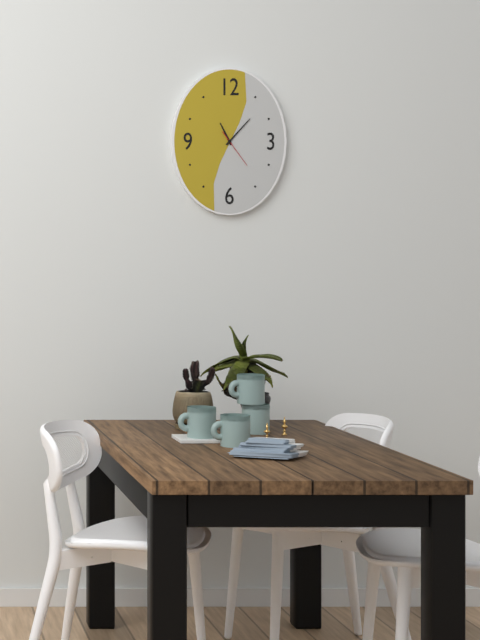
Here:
11 h 07 min
